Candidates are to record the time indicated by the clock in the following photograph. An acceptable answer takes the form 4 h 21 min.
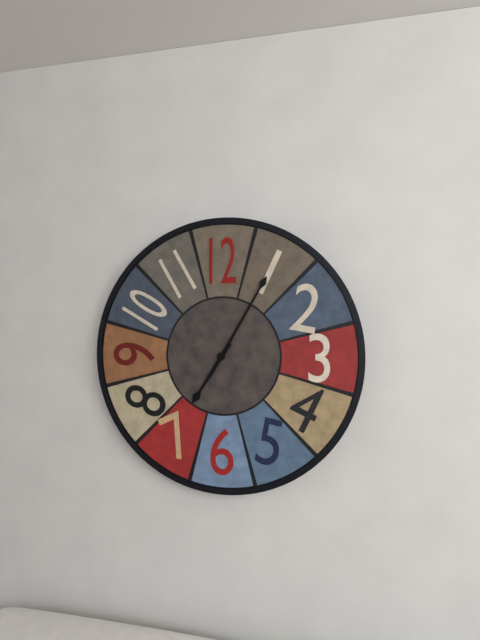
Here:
7 h 05 min
